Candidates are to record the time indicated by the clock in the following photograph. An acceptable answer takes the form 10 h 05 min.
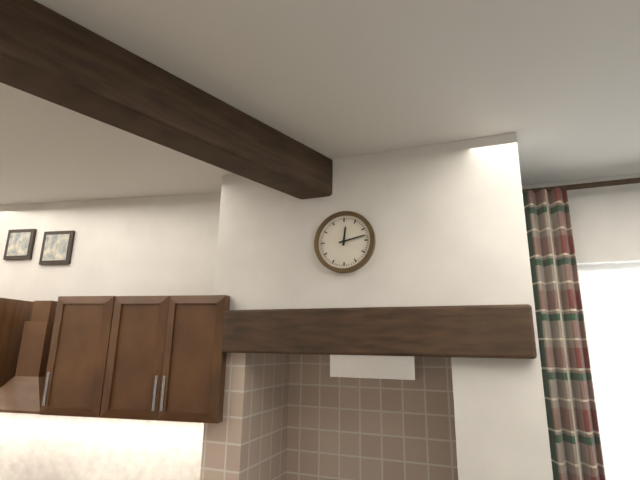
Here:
12 h 13 min
